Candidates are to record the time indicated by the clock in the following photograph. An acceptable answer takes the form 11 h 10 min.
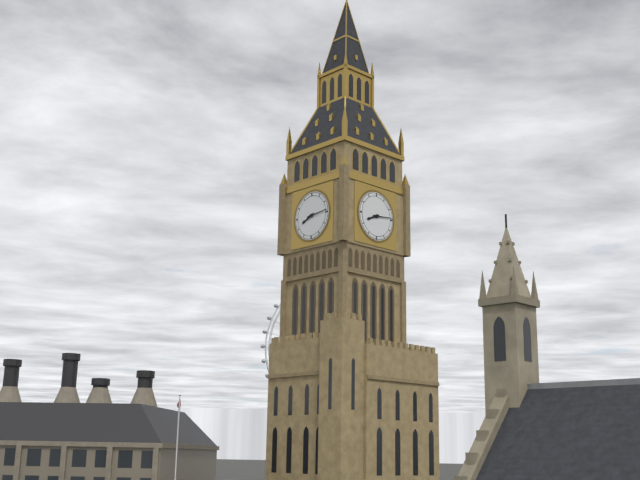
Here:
8 h 14 min
